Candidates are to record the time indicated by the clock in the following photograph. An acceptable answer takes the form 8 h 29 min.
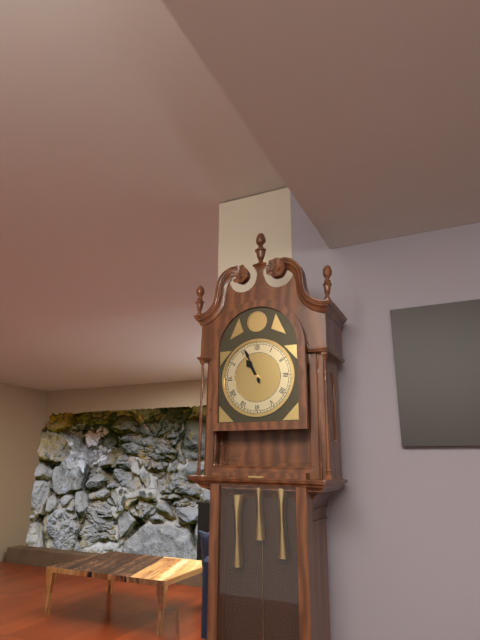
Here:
10 h 56 min
